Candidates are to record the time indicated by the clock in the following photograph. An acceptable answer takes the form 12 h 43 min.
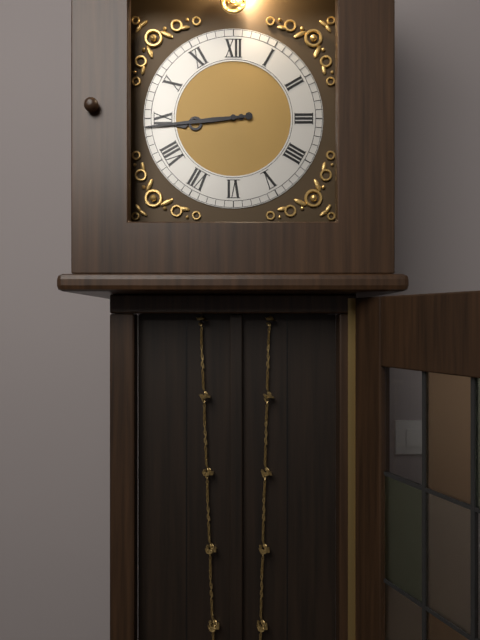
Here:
8 h 44 min
